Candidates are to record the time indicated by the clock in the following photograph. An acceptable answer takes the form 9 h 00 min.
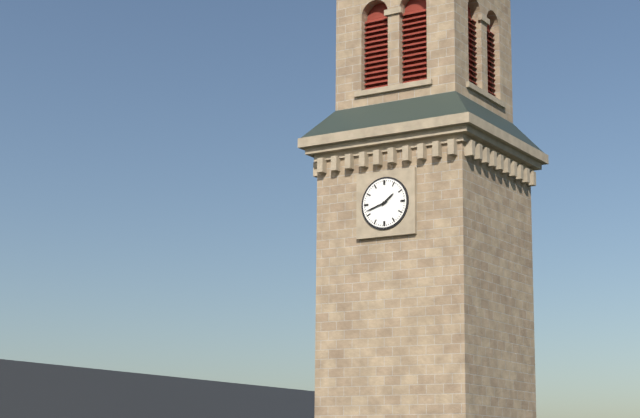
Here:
1 h 42 min
